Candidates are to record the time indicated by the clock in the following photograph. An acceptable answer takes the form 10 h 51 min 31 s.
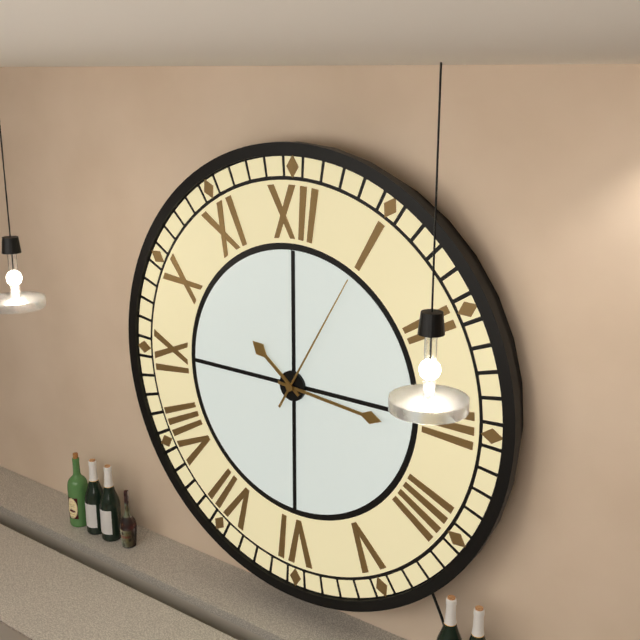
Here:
10 h 16 min 05 s
